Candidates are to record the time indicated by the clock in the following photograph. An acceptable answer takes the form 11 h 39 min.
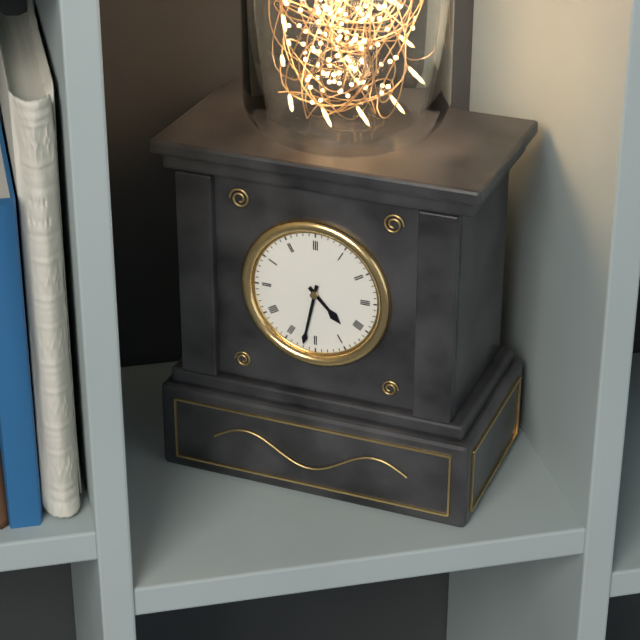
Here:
4 h 32 min
